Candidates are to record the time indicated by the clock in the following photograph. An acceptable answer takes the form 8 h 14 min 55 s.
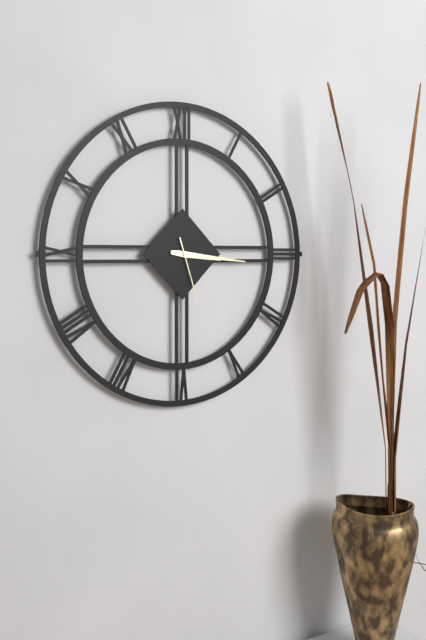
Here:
3 h 16 min 27 s
